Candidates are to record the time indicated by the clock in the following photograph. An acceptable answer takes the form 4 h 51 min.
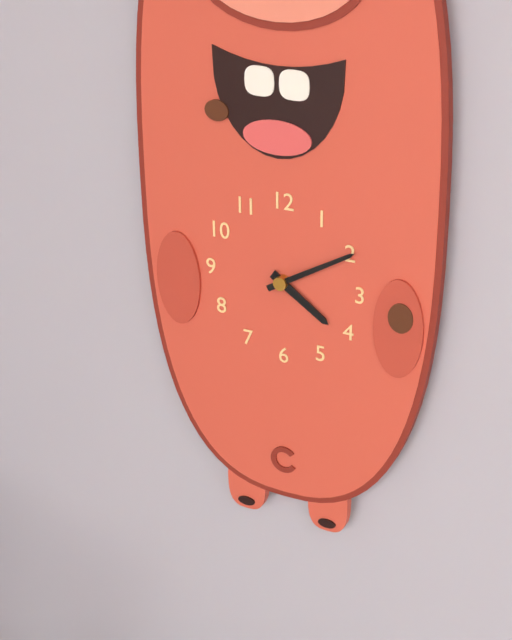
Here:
4 h 10 min
